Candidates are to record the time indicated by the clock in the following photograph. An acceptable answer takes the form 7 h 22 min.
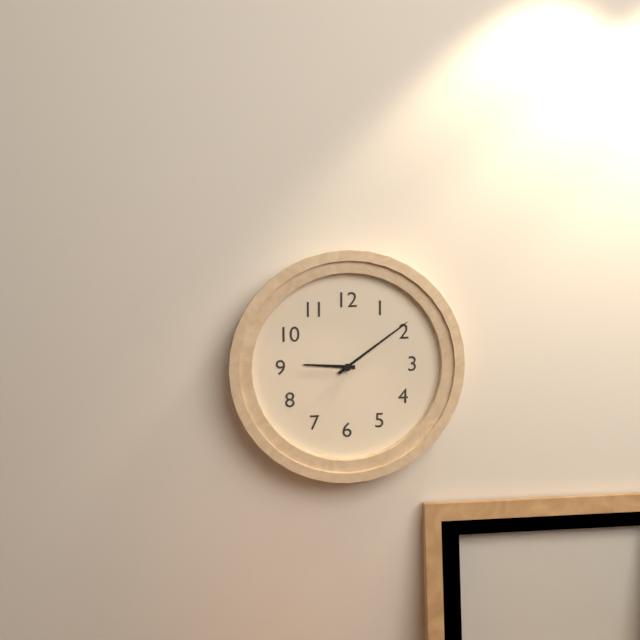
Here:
9 h 09 min
